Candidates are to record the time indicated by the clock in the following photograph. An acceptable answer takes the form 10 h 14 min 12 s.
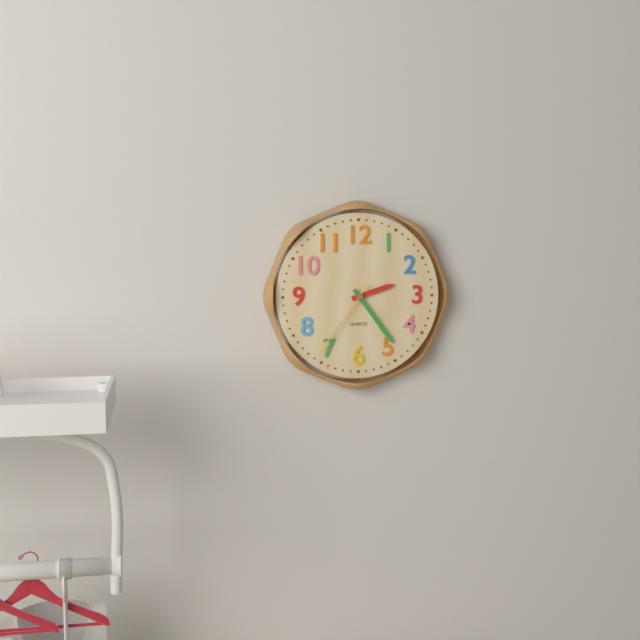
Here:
2 h 24 min 36 s
